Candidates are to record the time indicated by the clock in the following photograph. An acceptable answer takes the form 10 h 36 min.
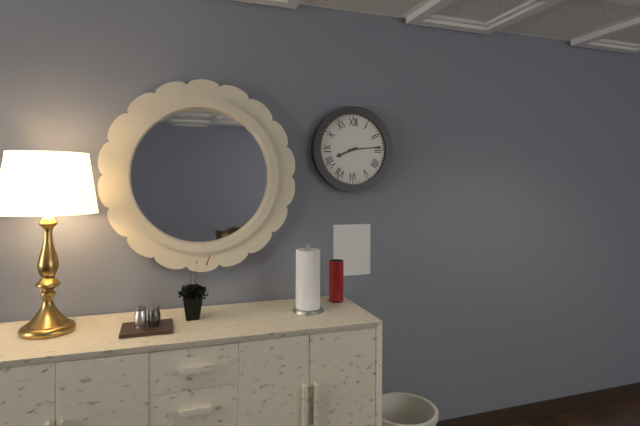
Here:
8 h 14 min
